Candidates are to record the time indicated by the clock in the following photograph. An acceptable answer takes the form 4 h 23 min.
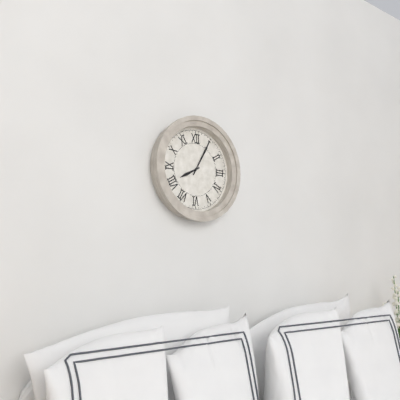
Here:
8 h 05 min
